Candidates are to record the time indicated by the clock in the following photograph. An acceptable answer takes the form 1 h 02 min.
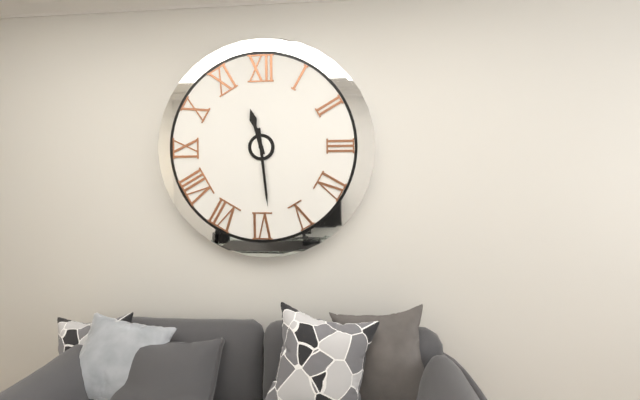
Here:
11 h 29 min
